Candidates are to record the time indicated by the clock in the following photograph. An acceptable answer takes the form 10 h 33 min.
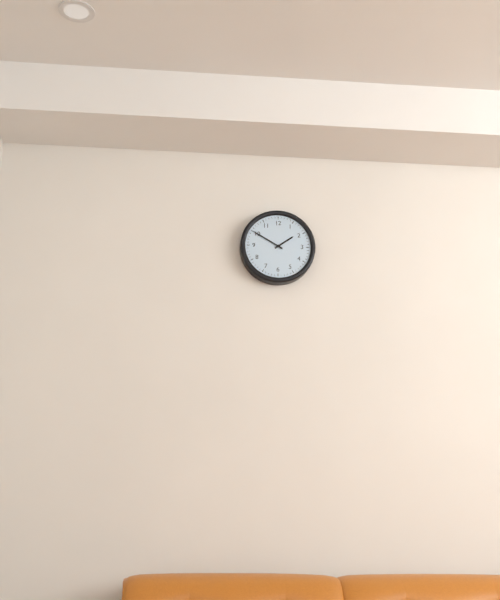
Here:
1 h 50 min
